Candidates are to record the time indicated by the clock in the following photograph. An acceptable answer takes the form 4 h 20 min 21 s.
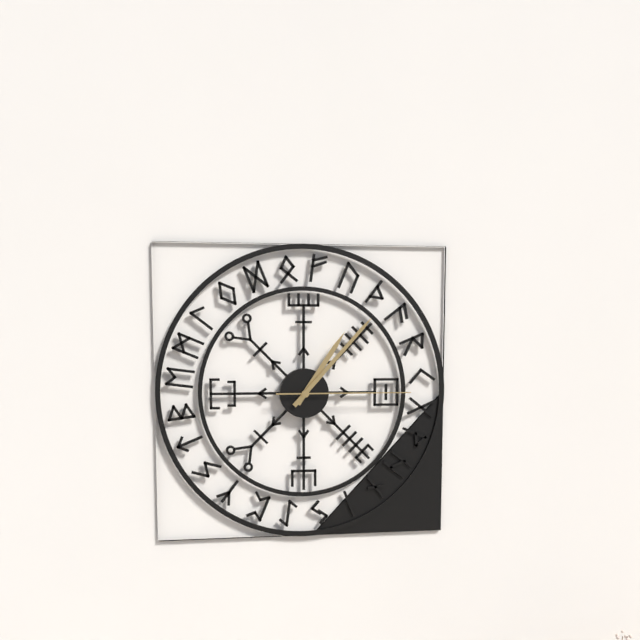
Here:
1 h 07 min 15 s
